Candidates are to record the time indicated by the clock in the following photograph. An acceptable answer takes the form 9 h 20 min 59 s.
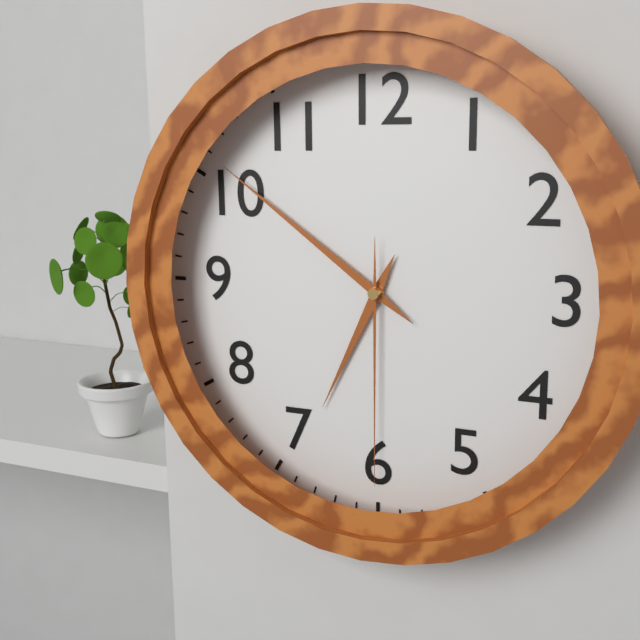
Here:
6 h 51 min 30 s
